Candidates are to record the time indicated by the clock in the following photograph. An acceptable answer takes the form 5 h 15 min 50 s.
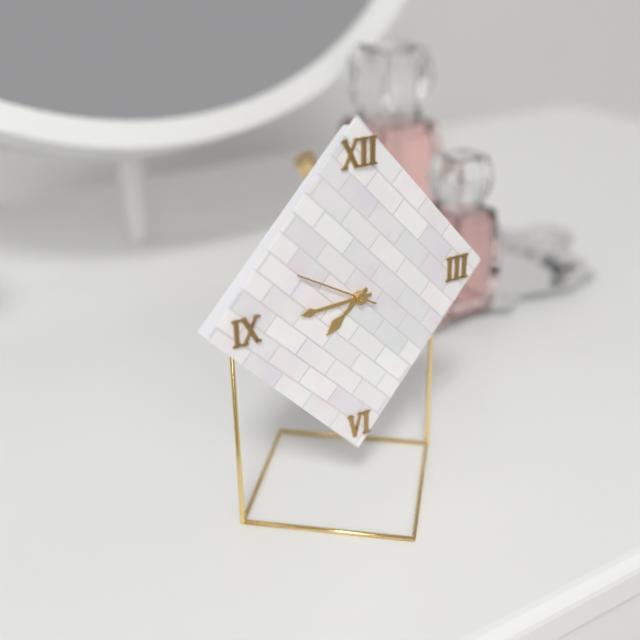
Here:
7 h 45 min 50 s
